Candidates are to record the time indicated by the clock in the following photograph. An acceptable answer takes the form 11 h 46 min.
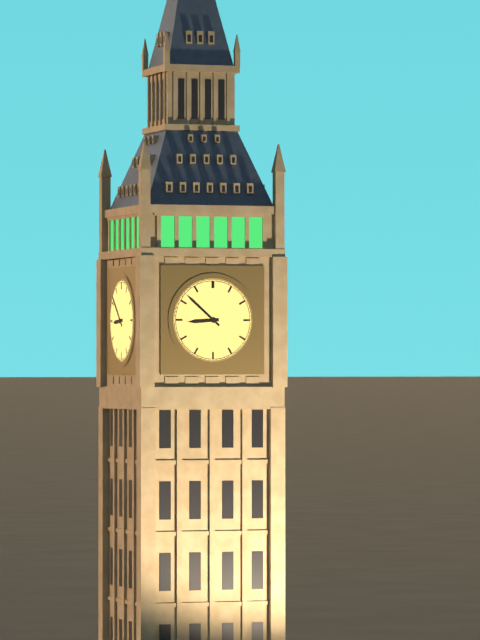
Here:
8 h 52 min
